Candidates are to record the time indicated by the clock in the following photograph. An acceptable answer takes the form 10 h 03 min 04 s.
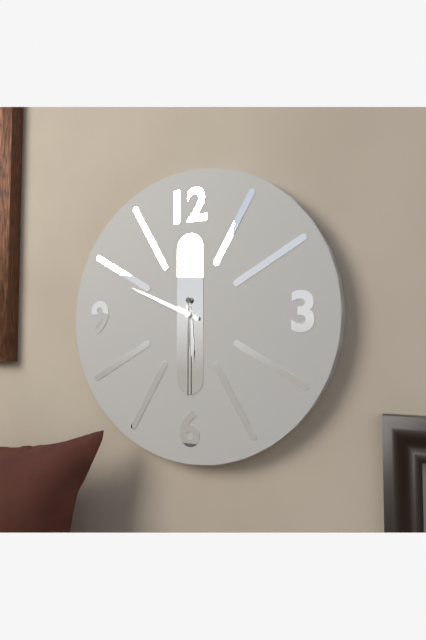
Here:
5 h 49 min 30 s
